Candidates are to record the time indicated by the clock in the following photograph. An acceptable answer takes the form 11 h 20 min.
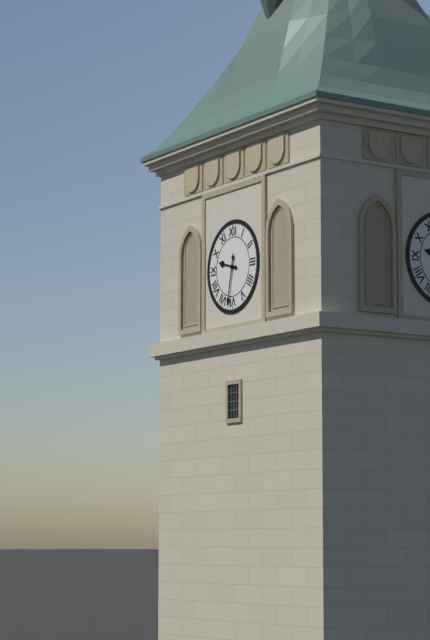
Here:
9 h 32 min
